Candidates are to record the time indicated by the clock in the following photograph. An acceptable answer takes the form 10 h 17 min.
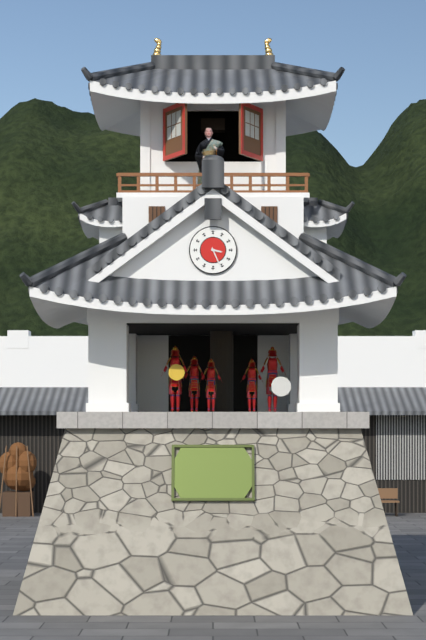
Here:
3 h 26 min
